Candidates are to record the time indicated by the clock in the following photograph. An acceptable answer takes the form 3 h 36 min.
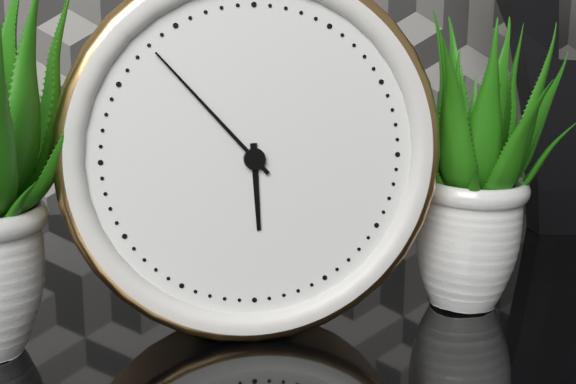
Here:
5 h 53 min
